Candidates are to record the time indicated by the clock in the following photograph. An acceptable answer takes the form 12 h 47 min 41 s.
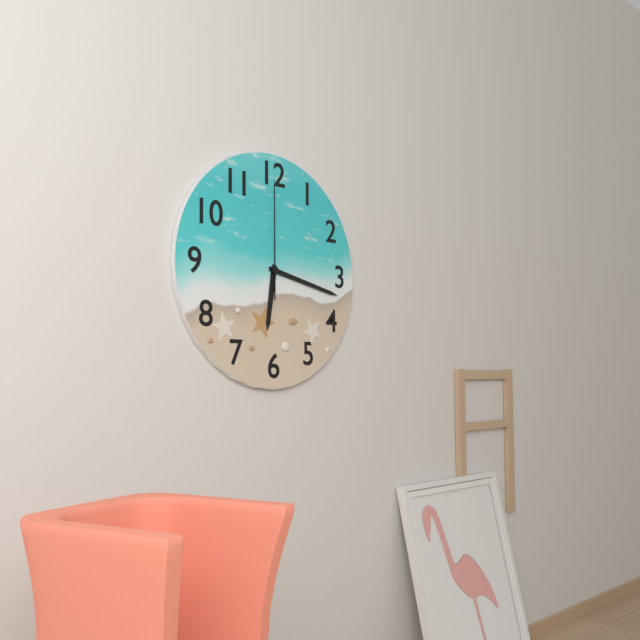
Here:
6 h 17 min 00 s
